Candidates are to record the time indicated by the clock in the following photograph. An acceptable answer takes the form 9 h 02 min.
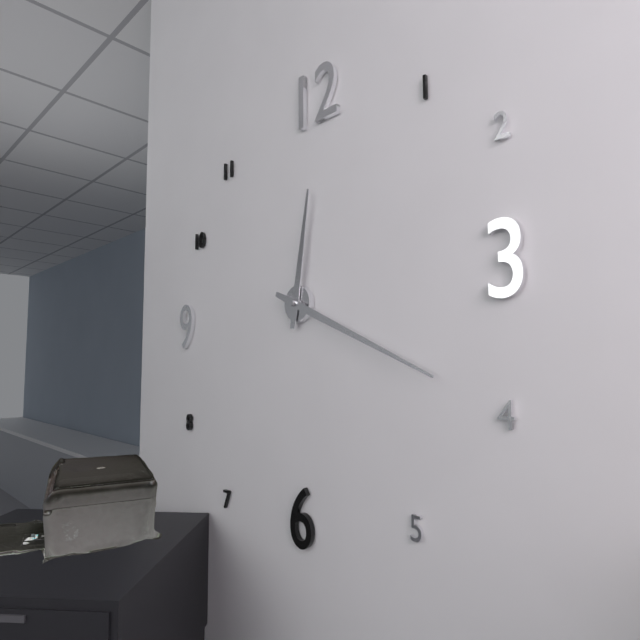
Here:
12 h 19 min
